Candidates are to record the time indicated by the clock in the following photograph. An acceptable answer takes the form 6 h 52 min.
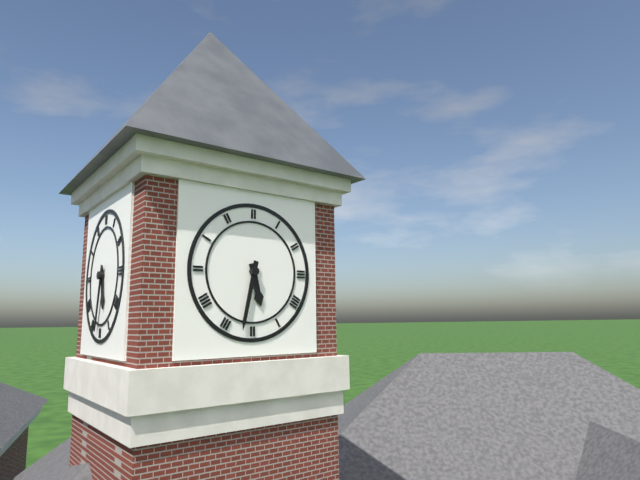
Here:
5 h 32 min
